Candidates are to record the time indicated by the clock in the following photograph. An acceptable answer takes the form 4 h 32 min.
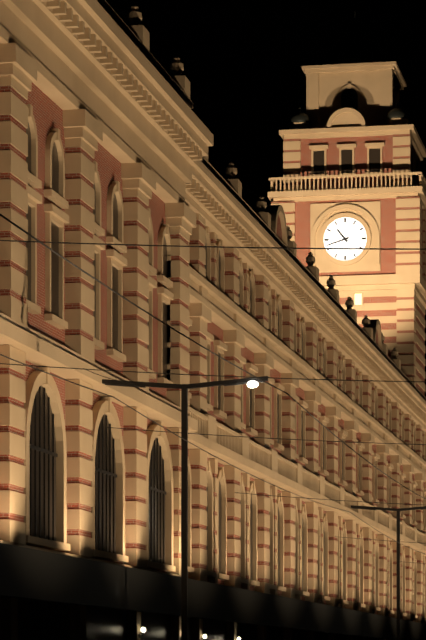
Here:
10 h 42 min
